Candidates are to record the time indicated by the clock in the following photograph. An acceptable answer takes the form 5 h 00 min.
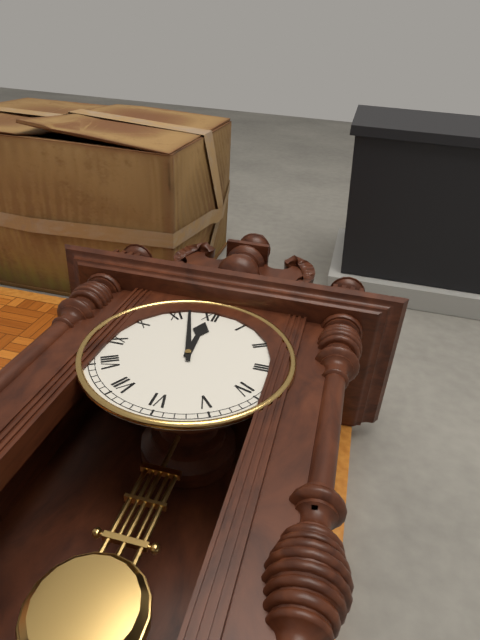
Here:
11 h 57 min
